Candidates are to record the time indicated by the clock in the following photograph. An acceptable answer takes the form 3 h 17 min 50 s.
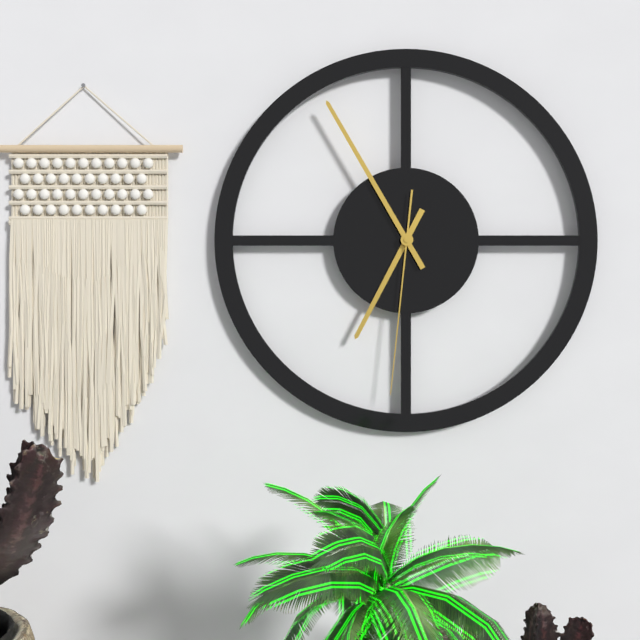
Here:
6 h 55 min 31 s
